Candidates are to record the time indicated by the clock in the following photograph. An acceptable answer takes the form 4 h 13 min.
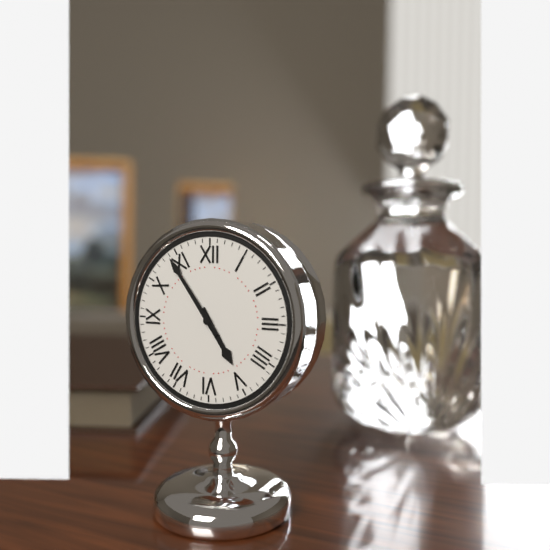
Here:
4 h 54 min
